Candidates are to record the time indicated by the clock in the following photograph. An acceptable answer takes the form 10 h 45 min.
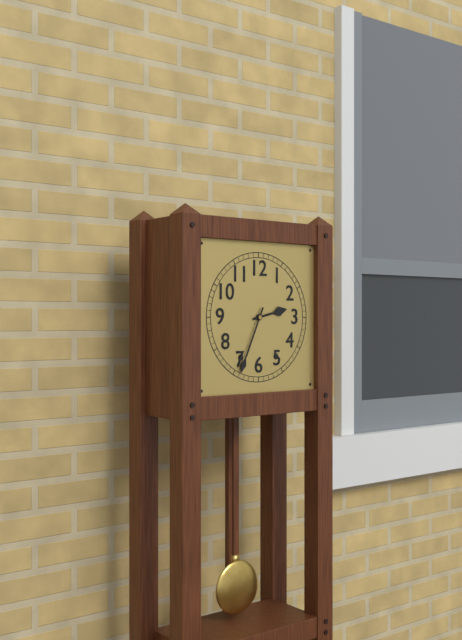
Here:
2 h 34 min
